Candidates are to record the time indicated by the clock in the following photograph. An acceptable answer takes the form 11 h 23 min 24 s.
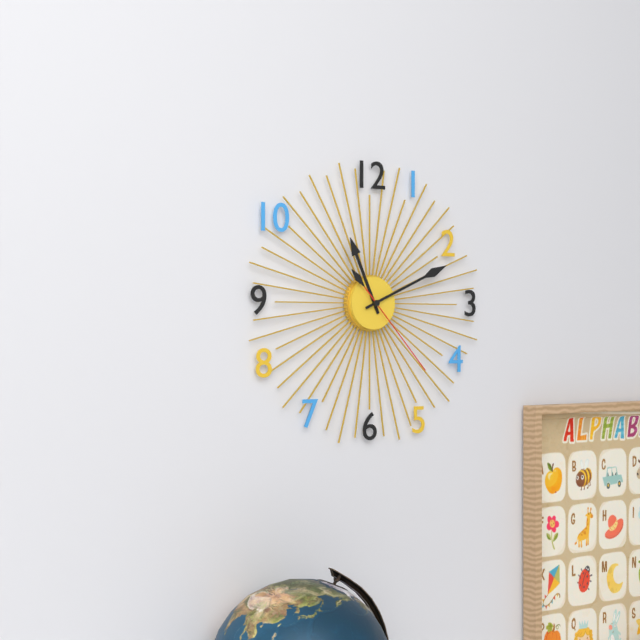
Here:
11 h 11 min 23 s
